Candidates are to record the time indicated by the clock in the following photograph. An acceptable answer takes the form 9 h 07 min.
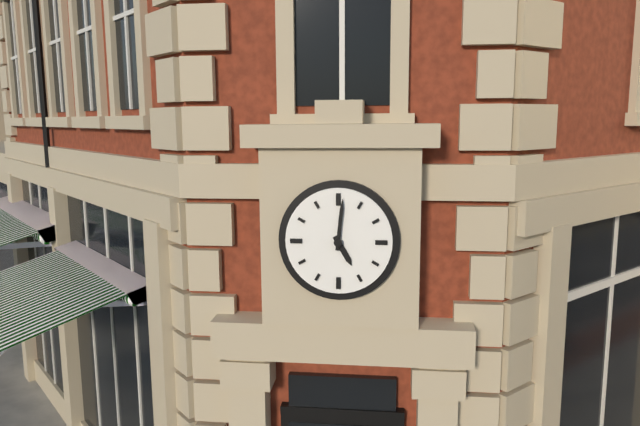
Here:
5 h 01 min
